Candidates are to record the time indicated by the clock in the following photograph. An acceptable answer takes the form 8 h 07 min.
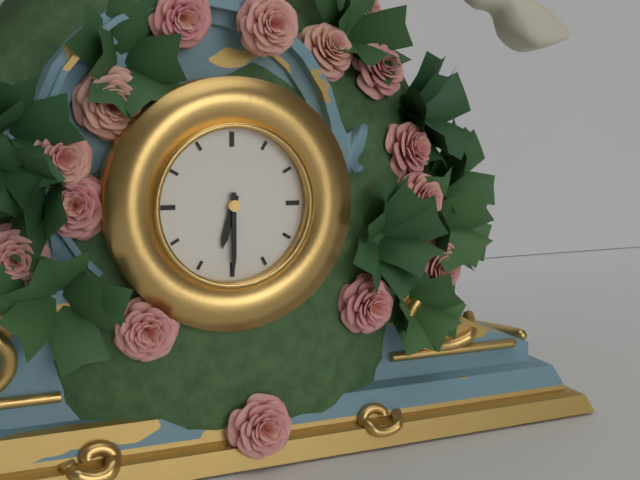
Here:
6 h 30 min
